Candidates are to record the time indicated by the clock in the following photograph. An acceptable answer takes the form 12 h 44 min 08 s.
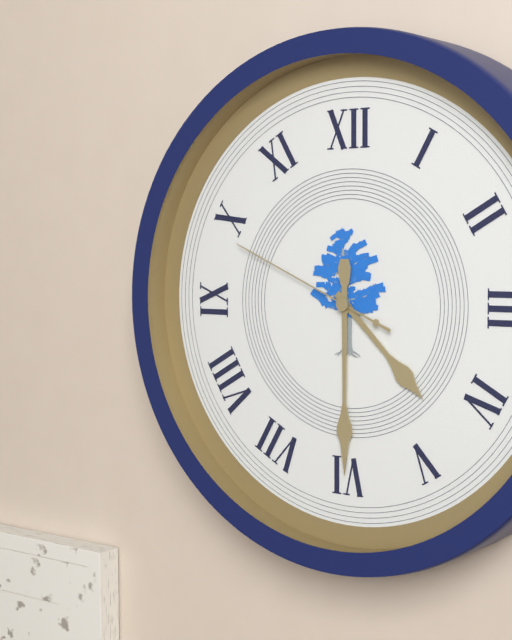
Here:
4 h 30 min 49 s
